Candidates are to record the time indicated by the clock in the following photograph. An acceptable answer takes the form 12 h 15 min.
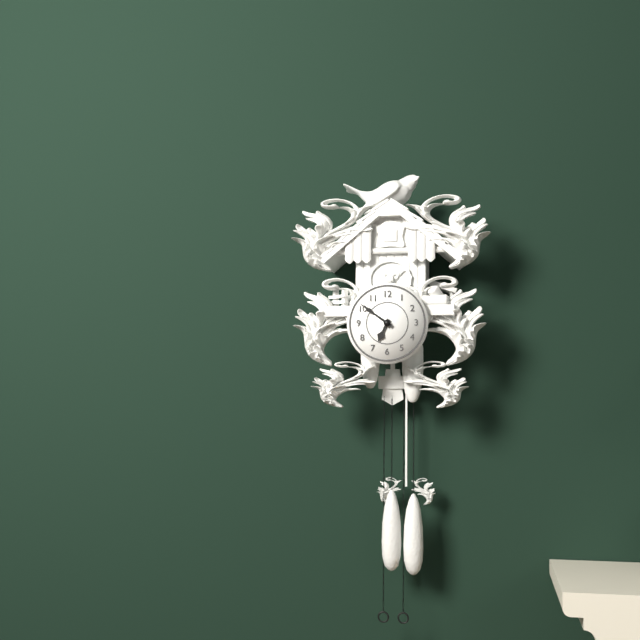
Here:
6 h 51 min
